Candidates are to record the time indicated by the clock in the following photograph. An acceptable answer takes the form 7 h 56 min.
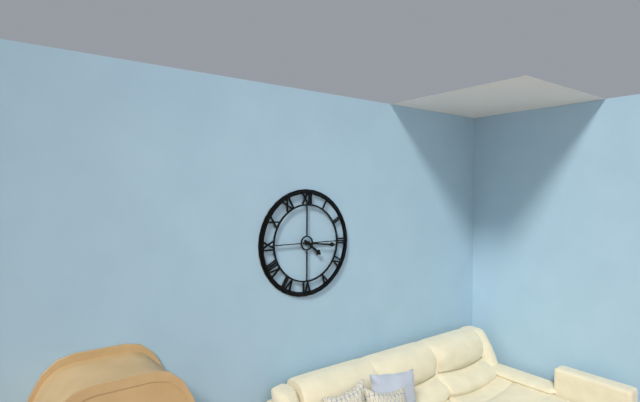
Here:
4 h 16 min
